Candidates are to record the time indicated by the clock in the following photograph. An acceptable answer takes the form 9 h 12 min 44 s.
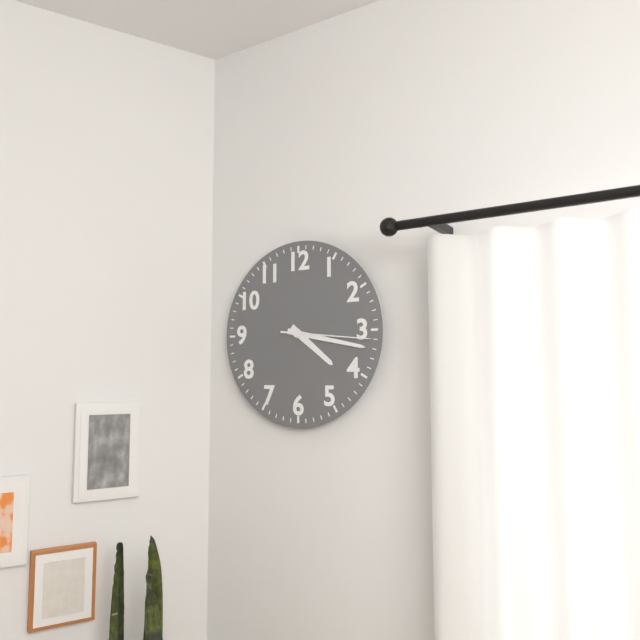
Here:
4 h 17 min 16 s
